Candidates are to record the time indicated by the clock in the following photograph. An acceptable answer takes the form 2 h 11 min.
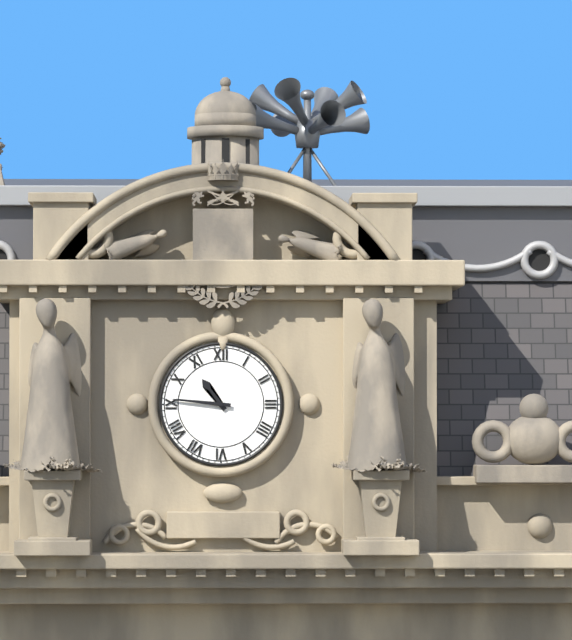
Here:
10 h 46 min
